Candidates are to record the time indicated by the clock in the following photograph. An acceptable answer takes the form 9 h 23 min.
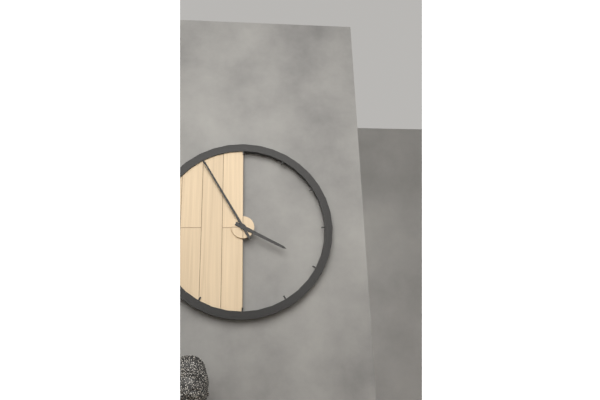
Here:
3 h 55 min
